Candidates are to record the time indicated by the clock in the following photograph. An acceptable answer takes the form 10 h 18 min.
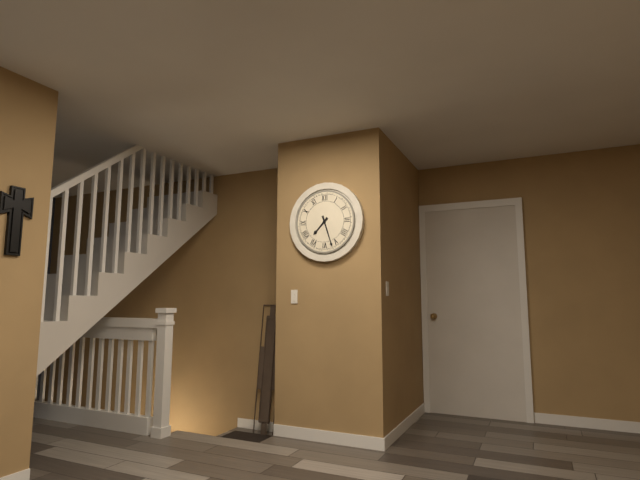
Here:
7 h 27 min
